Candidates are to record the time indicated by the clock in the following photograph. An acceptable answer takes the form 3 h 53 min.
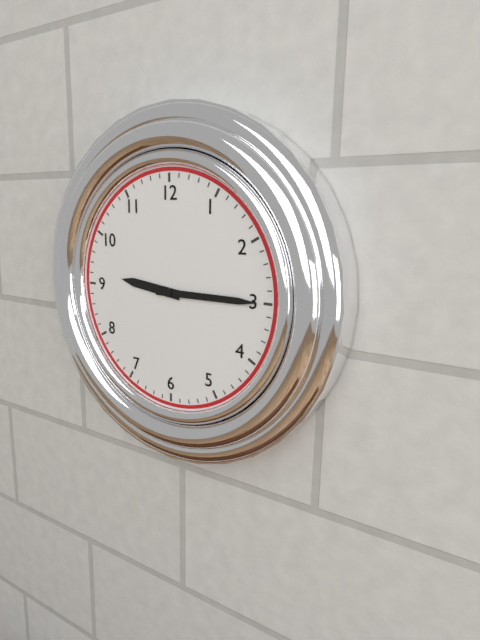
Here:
9 h 15 min
